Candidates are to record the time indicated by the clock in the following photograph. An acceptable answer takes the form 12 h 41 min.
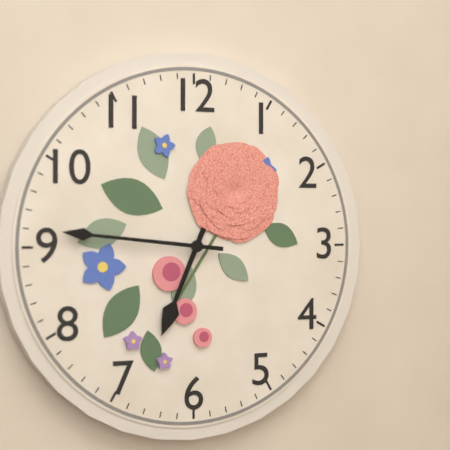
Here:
6 h 46 min
